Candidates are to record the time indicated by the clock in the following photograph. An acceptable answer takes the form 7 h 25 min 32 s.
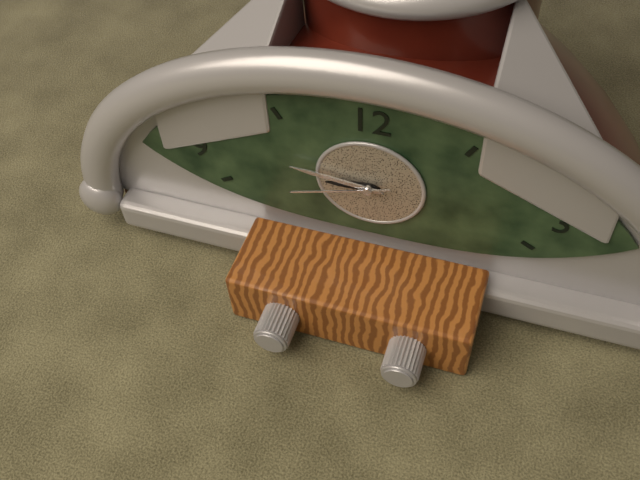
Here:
8 h 46 min 42 s
